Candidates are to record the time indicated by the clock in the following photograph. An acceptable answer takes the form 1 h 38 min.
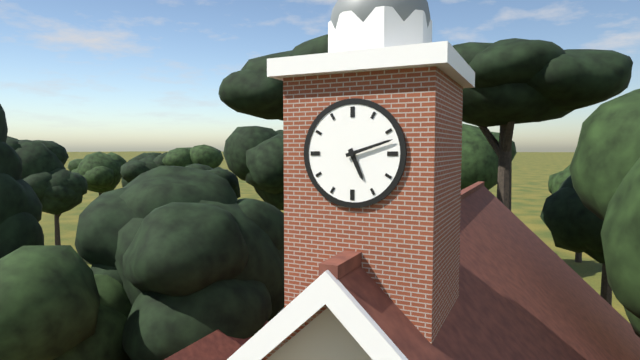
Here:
5 h 12 min
